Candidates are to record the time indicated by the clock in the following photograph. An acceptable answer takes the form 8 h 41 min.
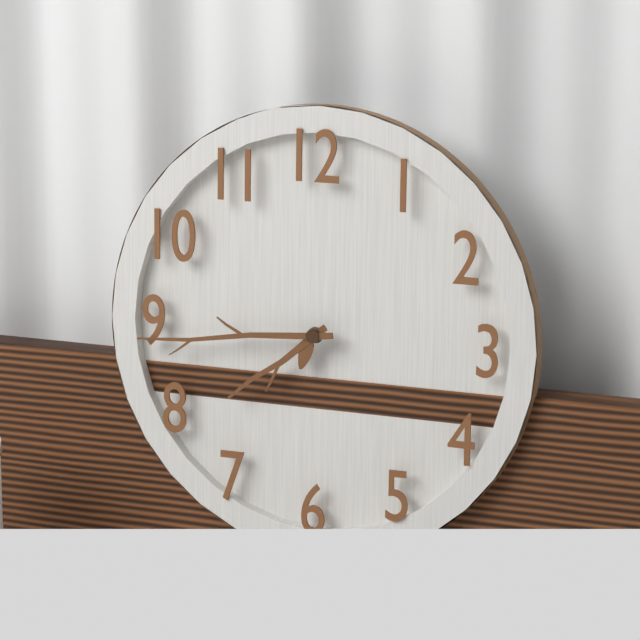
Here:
7 h 44 min
